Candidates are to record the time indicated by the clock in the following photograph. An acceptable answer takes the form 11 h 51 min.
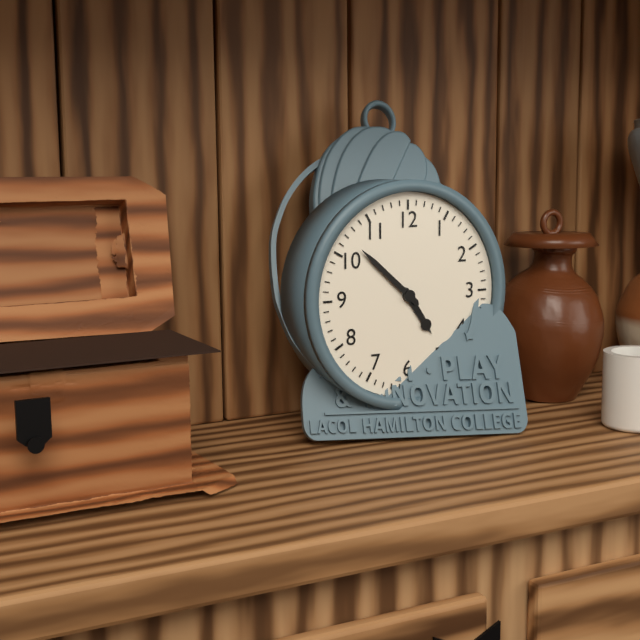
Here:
4 h 52 min
